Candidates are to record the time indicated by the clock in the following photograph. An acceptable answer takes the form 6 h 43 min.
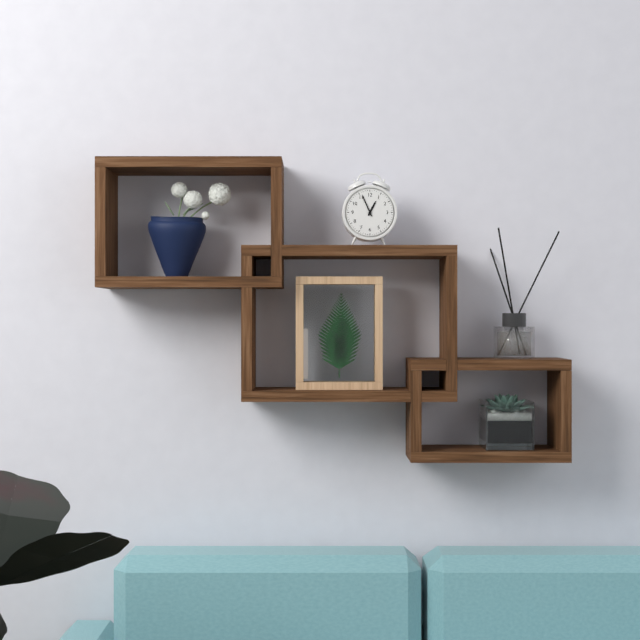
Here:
12 h 56 min
